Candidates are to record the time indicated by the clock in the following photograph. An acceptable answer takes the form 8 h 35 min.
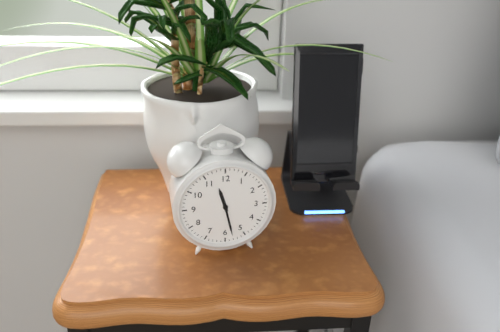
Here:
11 h 28 min
